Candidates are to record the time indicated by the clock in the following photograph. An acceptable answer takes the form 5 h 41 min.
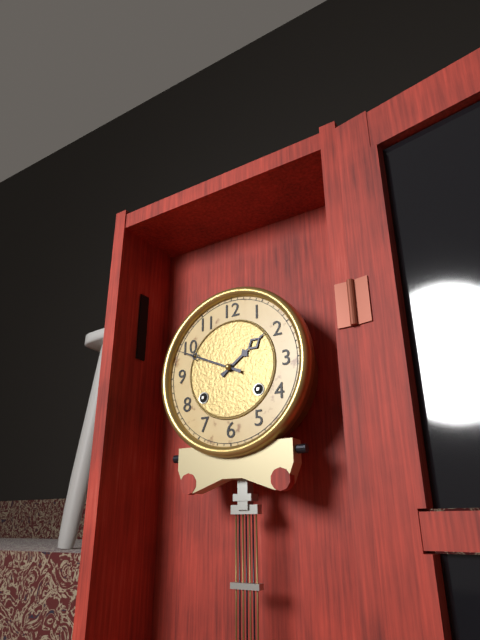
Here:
1 h 49 min
